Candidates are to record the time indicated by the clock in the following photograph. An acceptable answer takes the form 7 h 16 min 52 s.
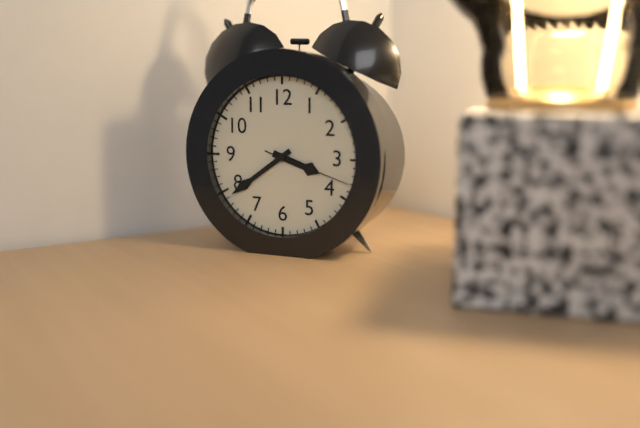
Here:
3 h 39 min 18 s
